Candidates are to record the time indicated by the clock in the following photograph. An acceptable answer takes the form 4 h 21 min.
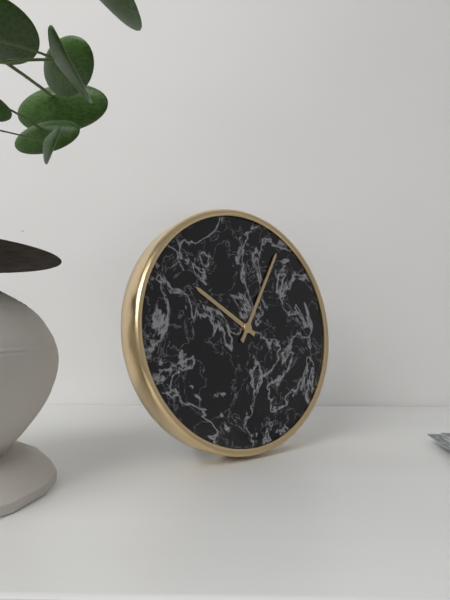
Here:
10 h 05 min
